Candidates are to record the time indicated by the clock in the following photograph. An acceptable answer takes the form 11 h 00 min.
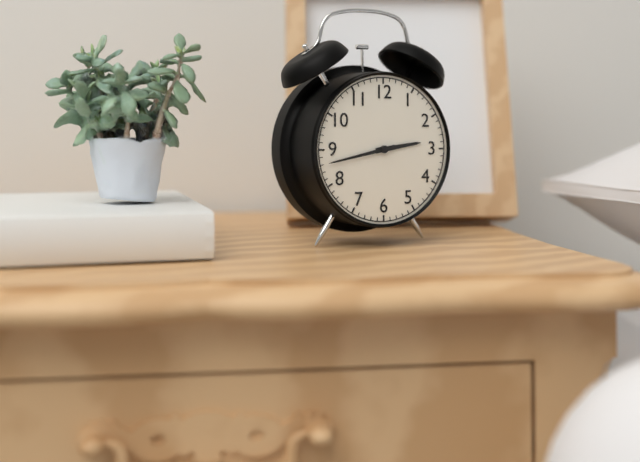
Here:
2 h 43 min
